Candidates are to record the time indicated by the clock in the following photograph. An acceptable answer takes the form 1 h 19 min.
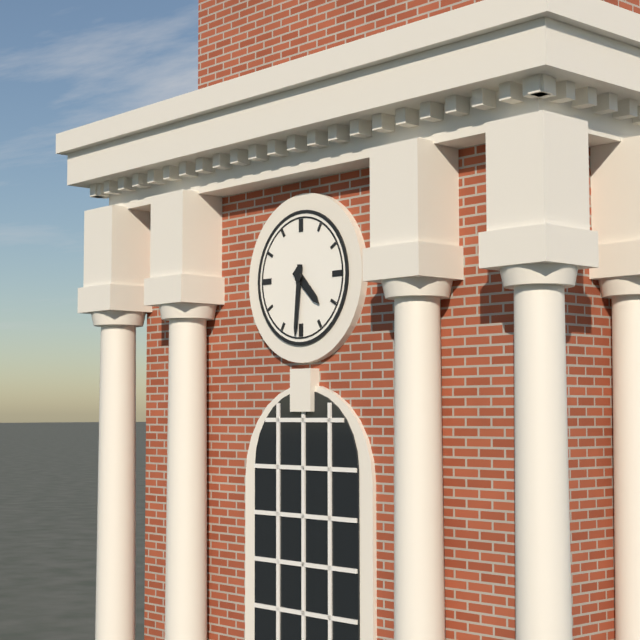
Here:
4 h 31 min
